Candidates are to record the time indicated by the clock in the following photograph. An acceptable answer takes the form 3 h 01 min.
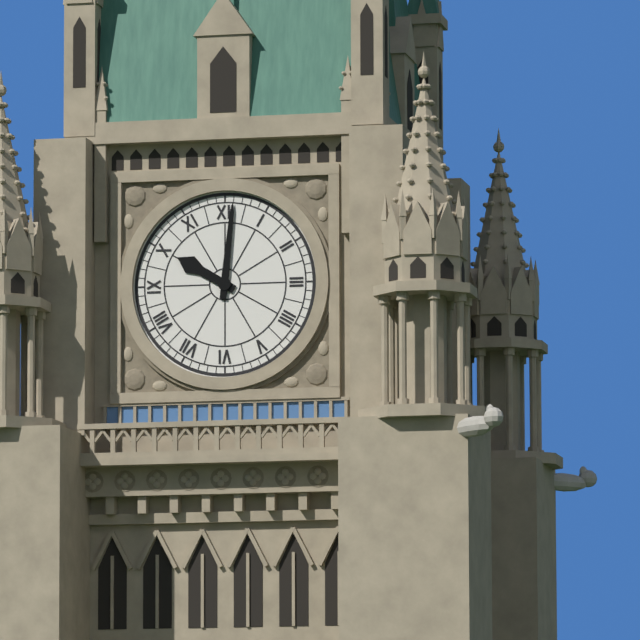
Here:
10 h 01 min
